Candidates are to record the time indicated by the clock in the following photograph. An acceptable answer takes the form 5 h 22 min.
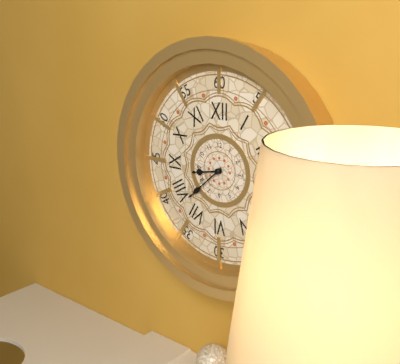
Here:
8 h 38 min
